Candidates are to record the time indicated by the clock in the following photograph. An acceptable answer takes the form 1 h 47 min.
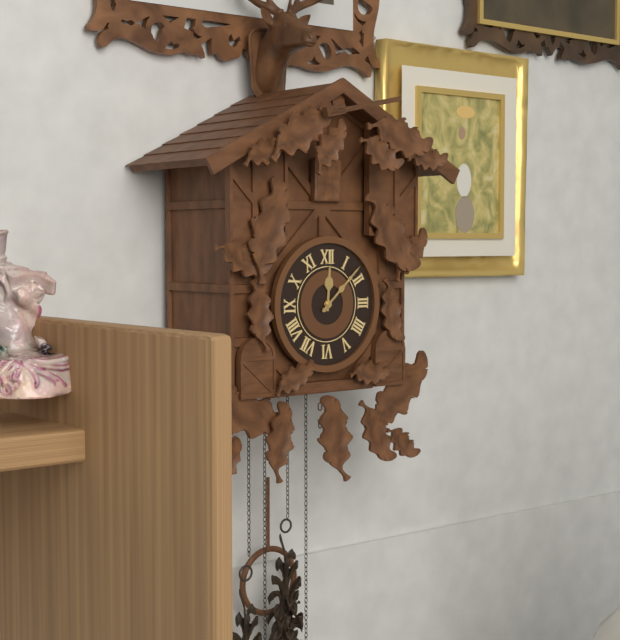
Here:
12 h 08 min
